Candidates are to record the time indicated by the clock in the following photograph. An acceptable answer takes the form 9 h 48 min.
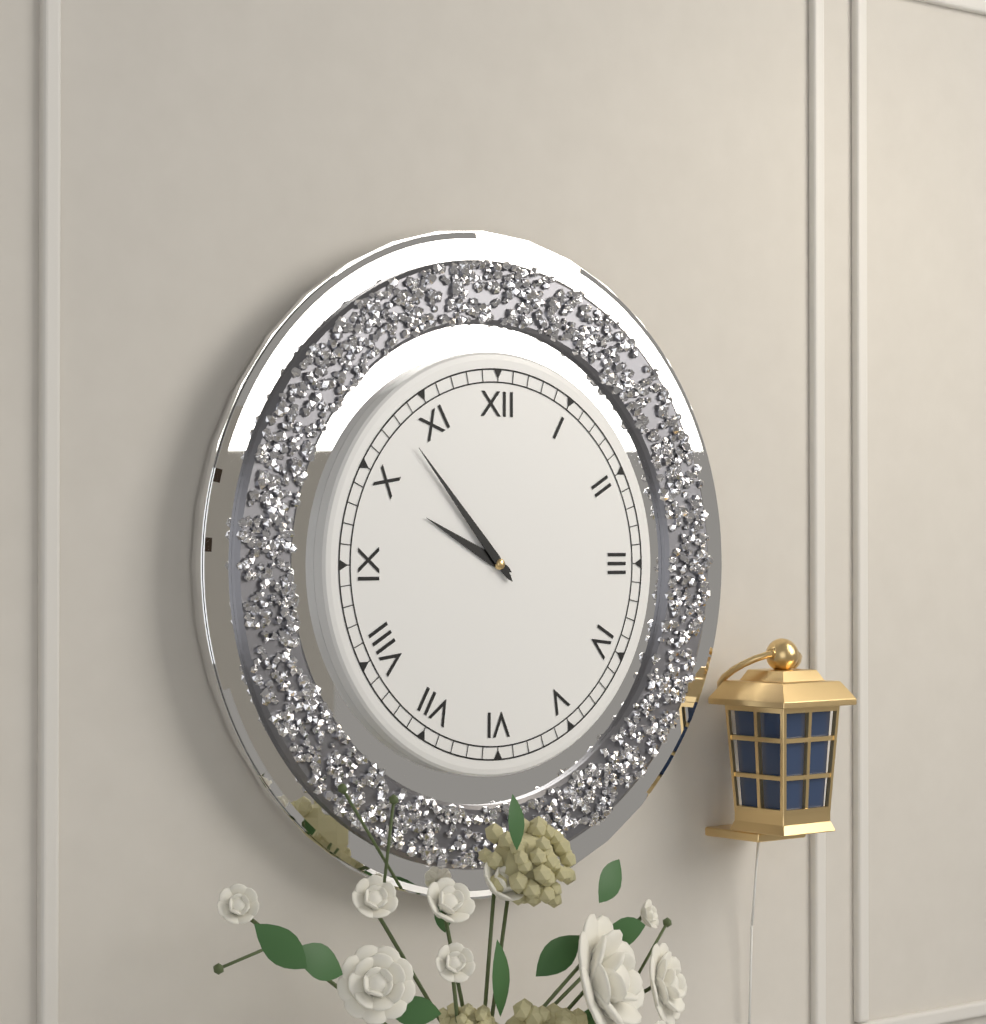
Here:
9 h 53 min
